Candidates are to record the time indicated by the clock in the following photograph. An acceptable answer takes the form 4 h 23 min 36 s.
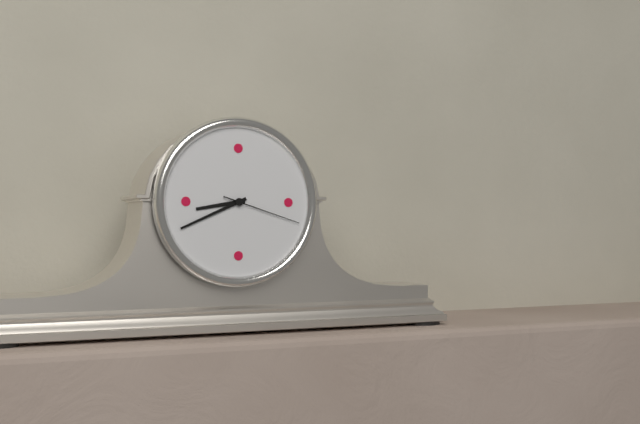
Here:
8 h 41 min 18 s
